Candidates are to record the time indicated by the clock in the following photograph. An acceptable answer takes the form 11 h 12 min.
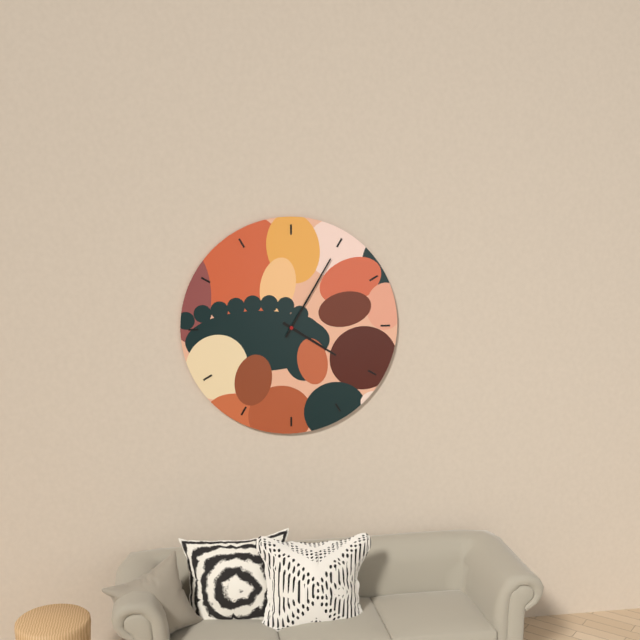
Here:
4 h 05 min
